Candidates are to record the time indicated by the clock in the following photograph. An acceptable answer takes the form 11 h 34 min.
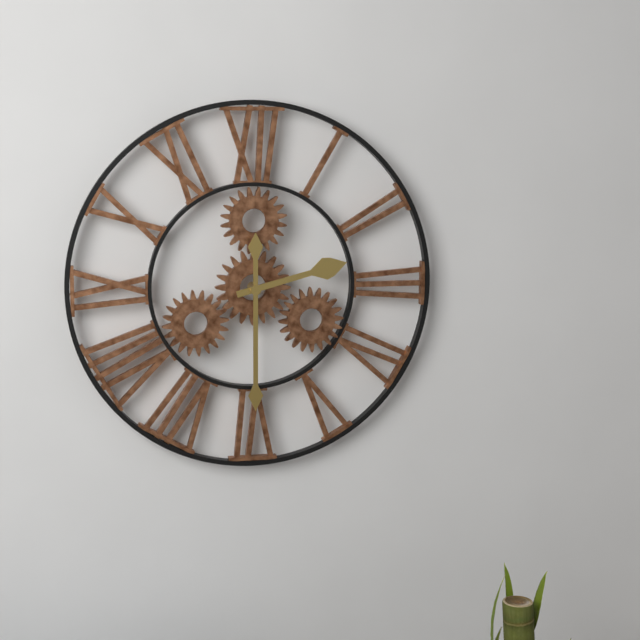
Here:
2 h 30 min
